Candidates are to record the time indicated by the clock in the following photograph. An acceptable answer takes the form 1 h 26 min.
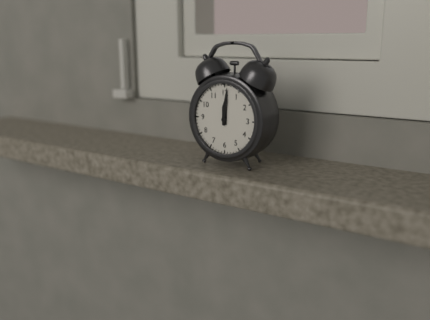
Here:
12 h 01 min
